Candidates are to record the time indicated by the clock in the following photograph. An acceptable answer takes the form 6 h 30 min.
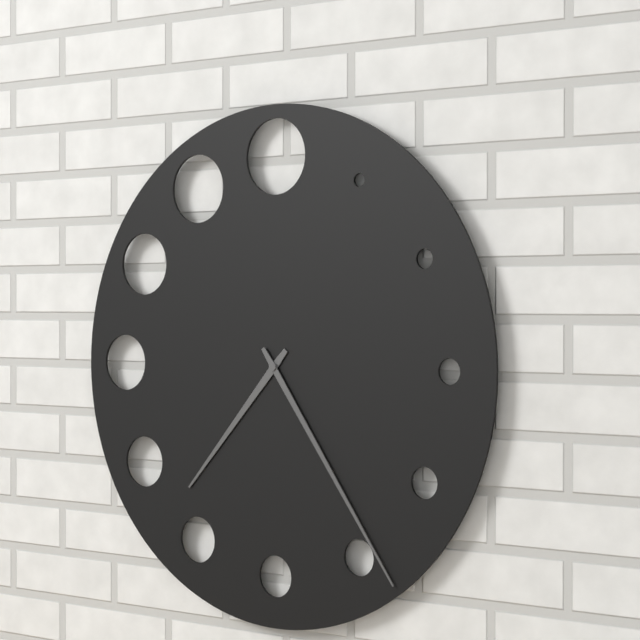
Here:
7 h 24 min
